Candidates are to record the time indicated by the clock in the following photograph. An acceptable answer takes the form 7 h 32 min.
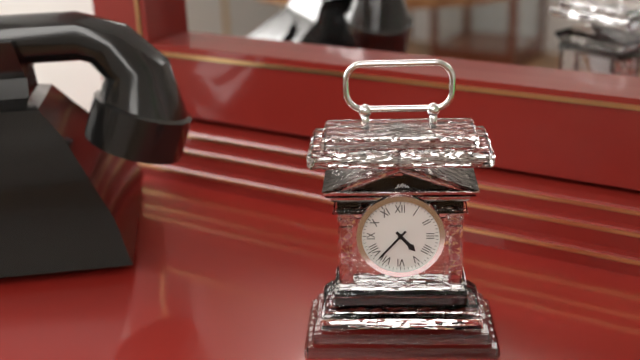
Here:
4 h 37 min
